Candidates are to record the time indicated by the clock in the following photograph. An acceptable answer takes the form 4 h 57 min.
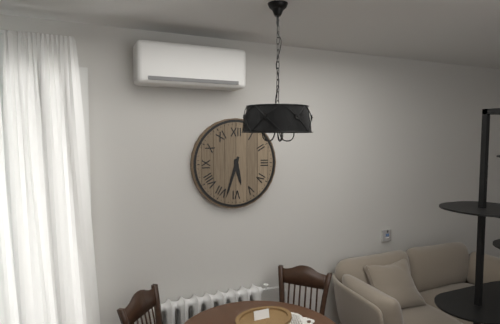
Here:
5 h 33 min
